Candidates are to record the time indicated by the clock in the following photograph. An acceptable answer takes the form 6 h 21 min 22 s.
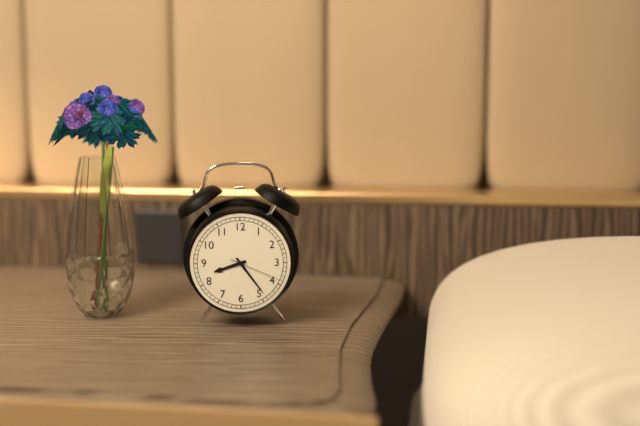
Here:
8 h 24 min 19 s
